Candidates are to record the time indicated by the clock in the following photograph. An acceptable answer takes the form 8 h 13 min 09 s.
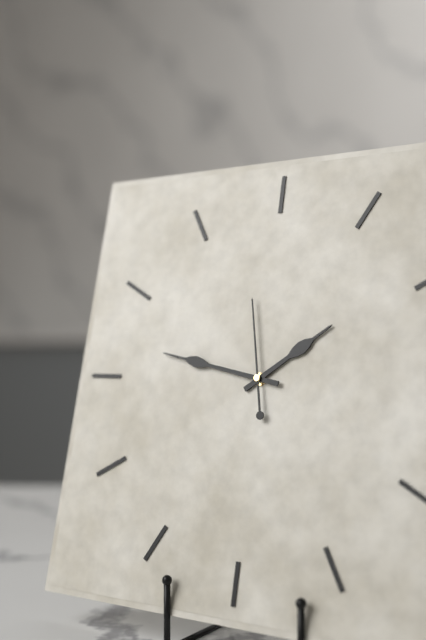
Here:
1 h 47 min 58 s
